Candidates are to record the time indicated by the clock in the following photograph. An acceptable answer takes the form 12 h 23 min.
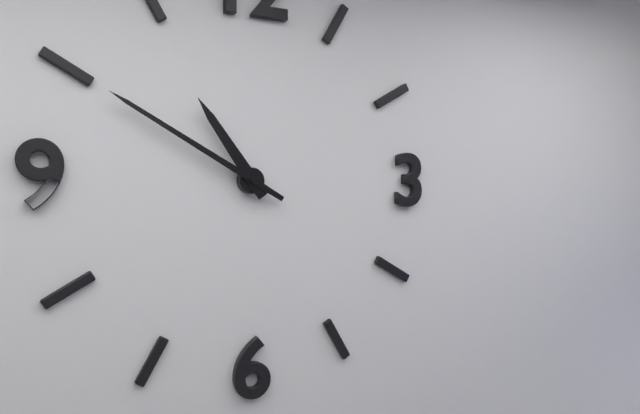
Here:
10 h 50 min
